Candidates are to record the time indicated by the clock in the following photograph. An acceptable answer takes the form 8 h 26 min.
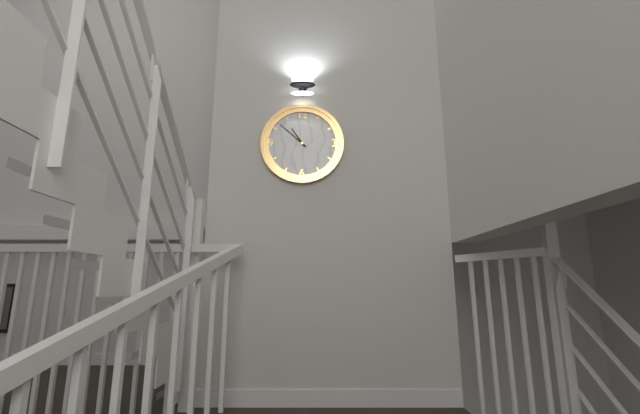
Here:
10 h 52 min
